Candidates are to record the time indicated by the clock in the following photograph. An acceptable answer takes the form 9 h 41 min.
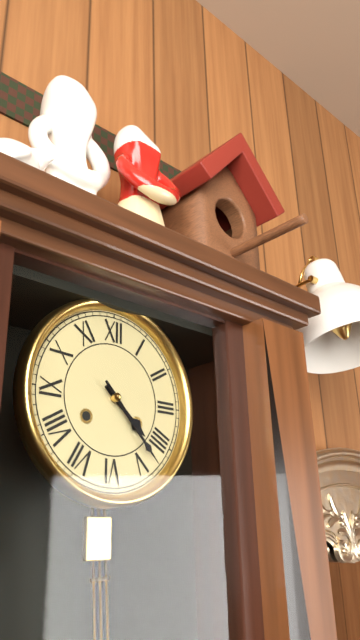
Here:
4 h 23 min
